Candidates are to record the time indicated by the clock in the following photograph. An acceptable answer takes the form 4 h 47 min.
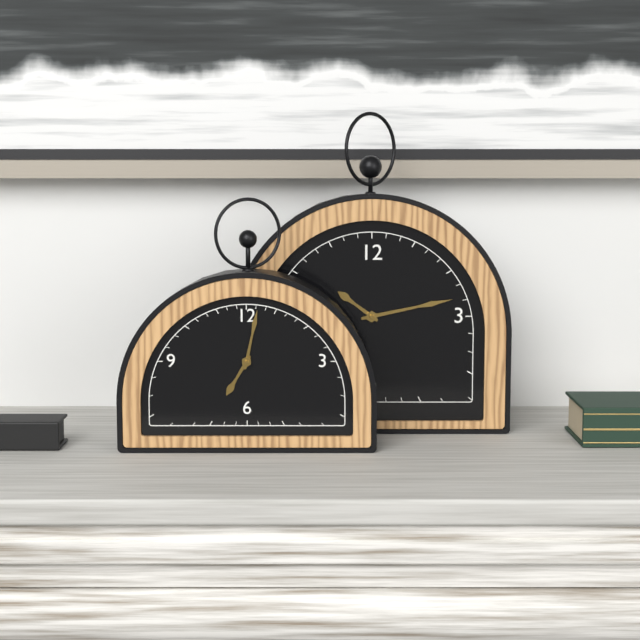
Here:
7 h 02 min
